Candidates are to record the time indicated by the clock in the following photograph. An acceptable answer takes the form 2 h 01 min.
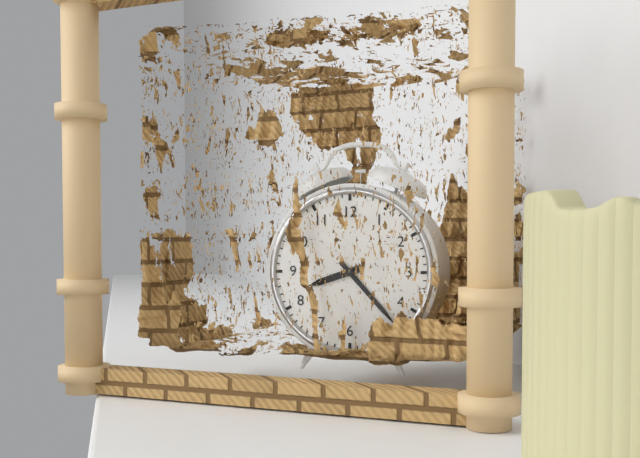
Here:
8 h 23 min
